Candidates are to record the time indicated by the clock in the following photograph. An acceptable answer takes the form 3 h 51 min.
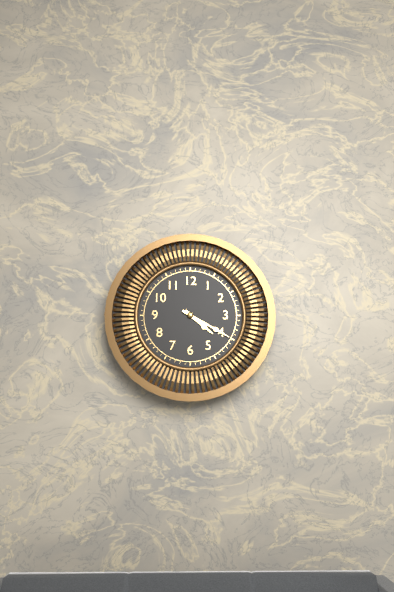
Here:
4 h 20 min
